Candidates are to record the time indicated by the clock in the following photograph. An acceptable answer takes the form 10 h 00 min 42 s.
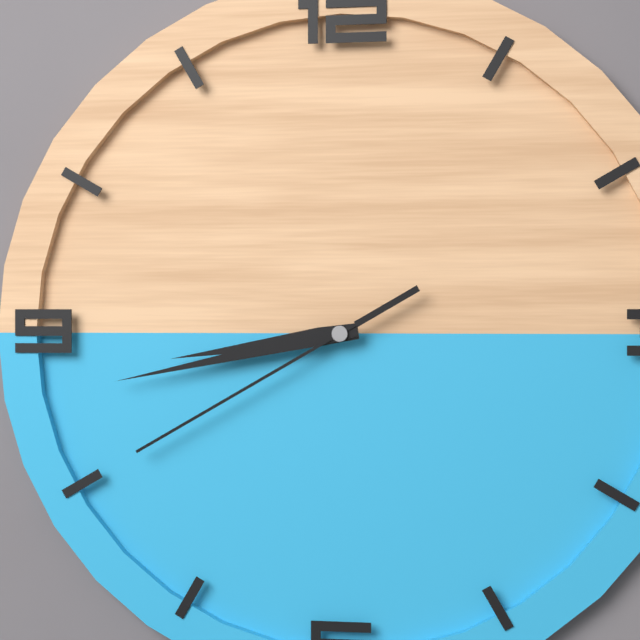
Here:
8 h 43 min 40 s
